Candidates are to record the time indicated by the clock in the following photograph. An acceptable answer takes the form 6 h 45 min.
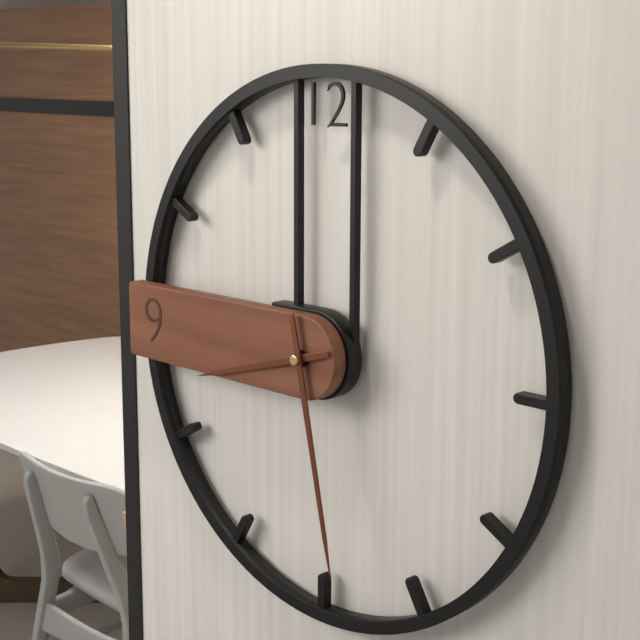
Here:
8 h 28 min
